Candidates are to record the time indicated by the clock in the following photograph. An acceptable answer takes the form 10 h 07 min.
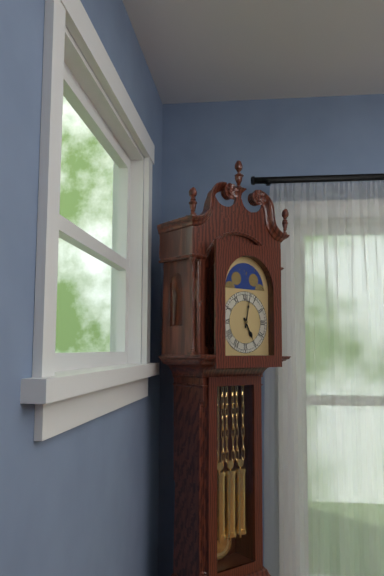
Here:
5 h 02 min
